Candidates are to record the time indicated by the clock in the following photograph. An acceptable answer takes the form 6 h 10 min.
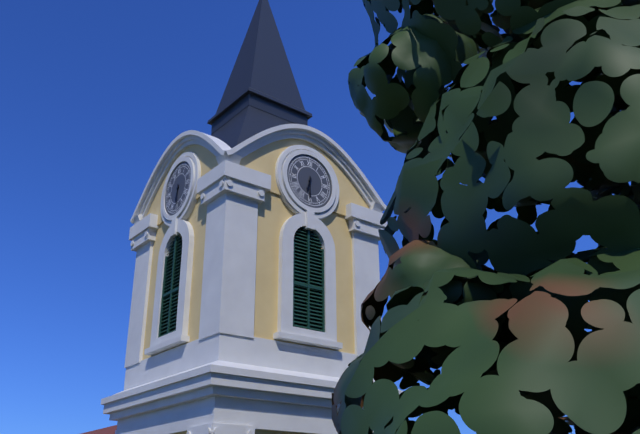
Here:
6 h 30 min
